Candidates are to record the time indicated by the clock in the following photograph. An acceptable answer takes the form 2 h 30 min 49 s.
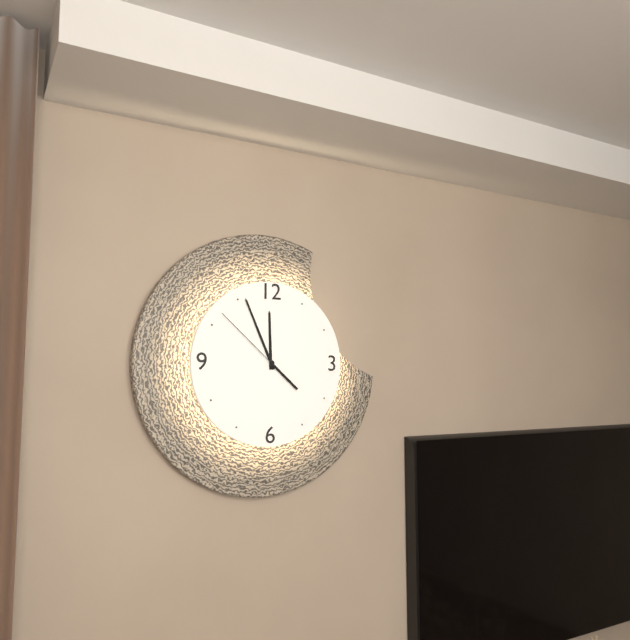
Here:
11 h 56 min 52 s
